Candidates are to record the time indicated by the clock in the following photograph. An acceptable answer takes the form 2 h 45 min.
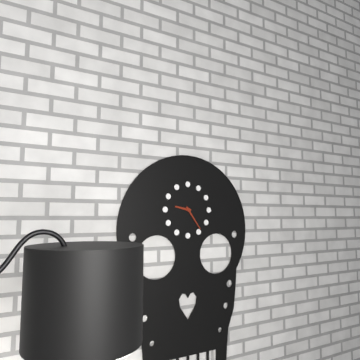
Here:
9 h 24 min
